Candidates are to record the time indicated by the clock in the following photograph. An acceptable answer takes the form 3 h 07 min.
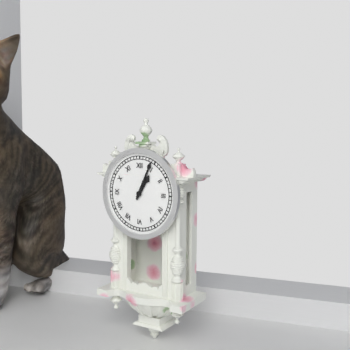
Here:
1 h 04 min
